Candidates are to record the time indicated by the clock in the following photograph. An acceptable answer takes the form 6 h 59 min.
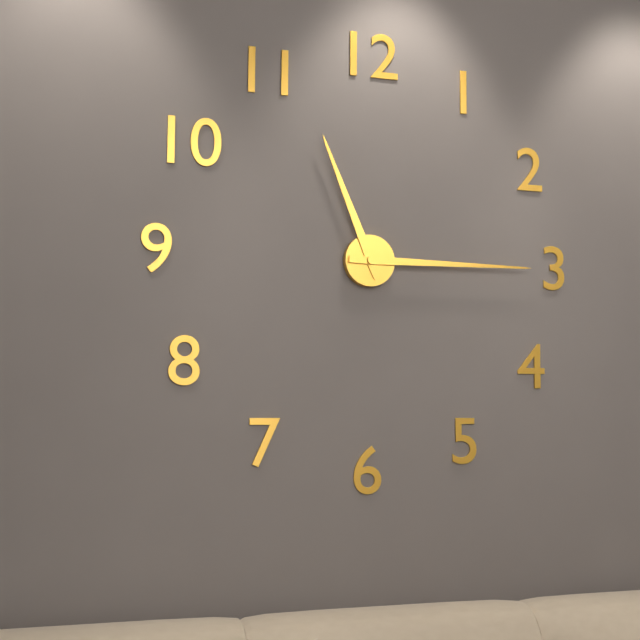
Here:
11 h 15 min
